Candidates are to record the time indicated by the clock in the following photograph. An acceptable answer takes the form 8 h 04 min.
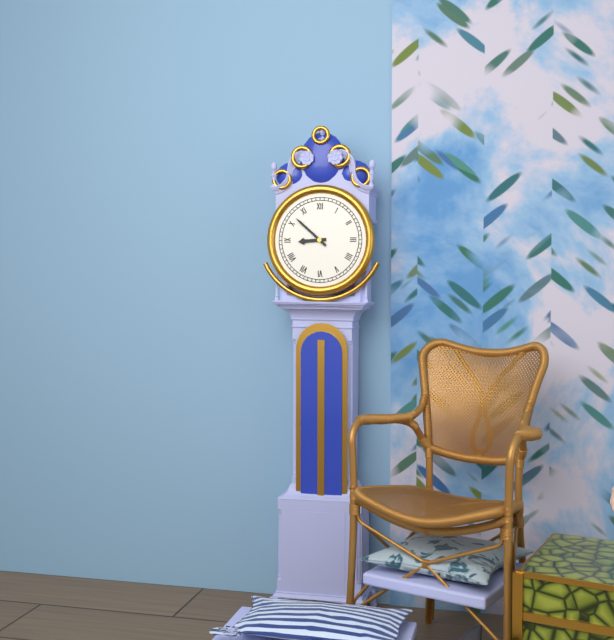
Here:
8 h 52 min
